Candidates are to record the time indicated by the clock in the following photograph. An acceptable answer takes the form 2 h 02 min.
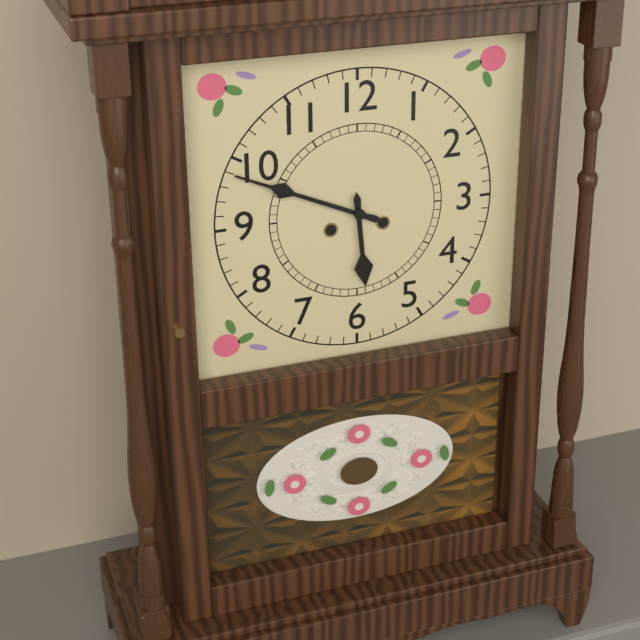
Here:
5 h 49 min
